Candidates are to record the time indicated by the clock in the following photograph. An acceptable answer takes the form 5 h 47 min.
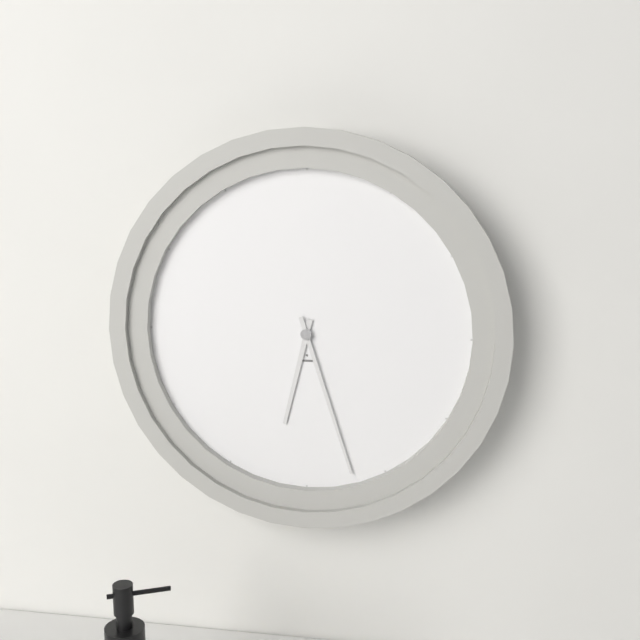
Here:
6 h 27 min
